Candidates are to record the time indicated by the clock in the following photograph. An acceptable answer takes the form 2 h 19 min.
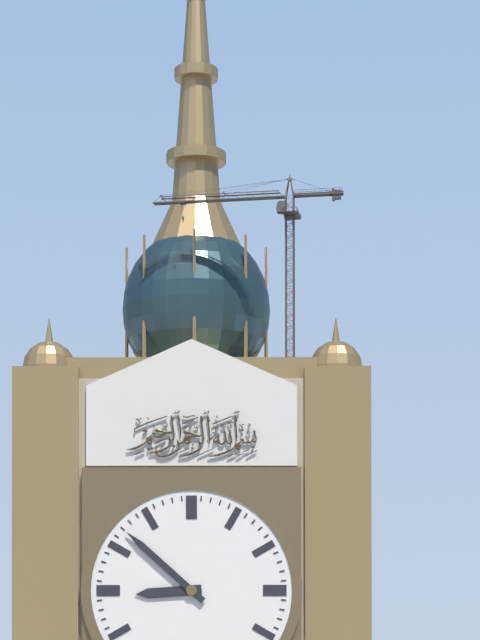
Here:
8 h 52 min
